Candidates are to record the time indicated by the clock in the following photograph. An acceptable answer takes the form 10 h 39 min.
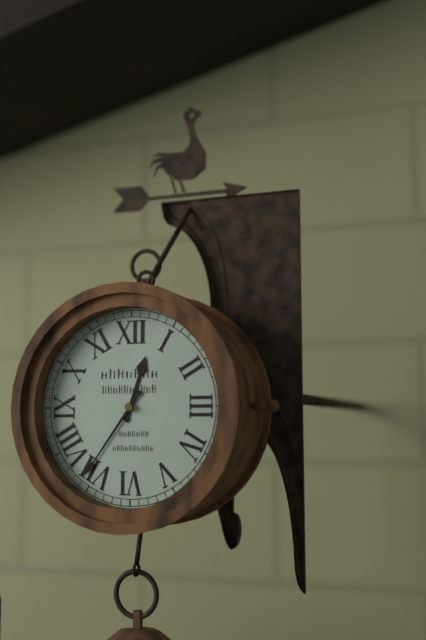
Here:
12 h 36 min
